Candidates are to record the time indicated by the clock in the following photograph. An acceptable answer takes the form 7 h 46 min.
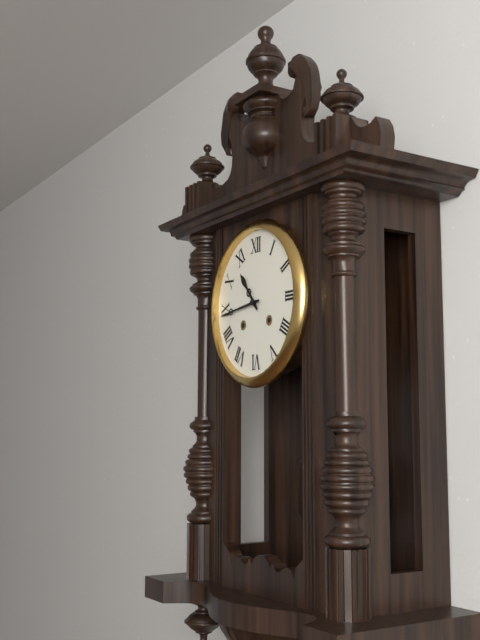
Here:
10 h 44 min
